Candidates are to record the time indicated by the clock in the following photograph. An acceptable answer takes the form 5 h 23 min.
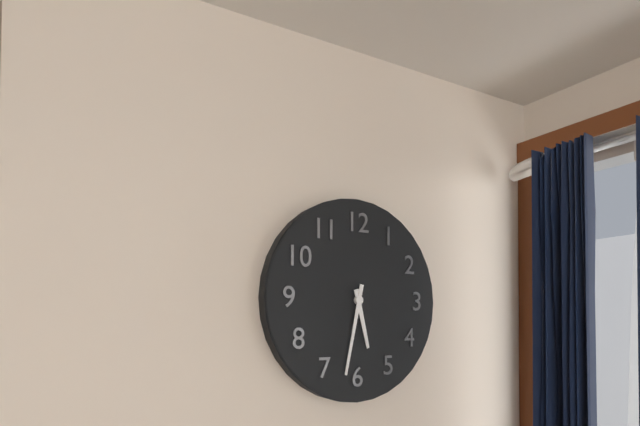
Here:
5 h 32 min
